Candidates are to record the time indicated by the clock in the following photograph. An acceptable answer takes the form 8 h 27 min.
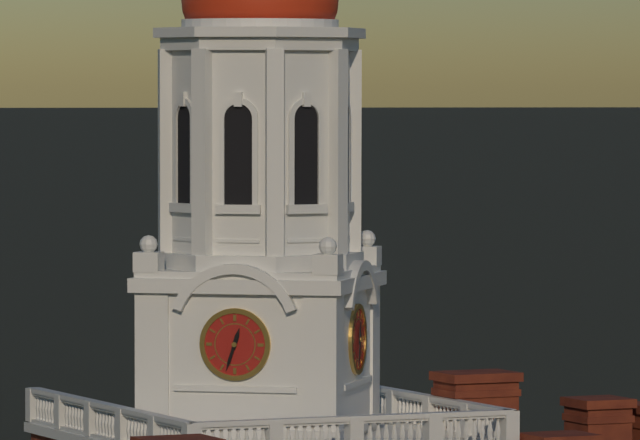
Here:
12 h 33 min
